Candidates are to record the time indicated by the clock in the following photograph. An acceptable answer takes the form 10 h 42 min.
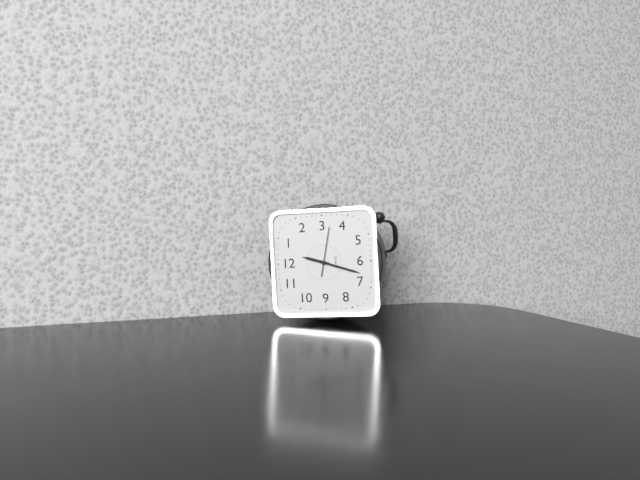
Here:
12 h 33 min
